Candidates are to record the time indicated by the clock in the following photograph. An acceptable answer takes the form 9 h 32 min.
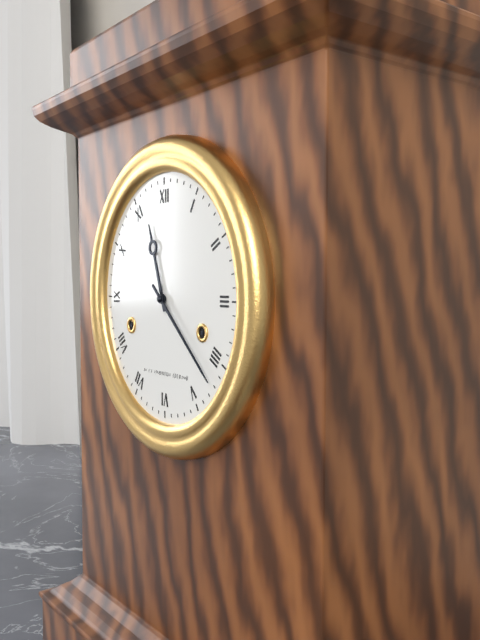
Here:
11 h 22 min
